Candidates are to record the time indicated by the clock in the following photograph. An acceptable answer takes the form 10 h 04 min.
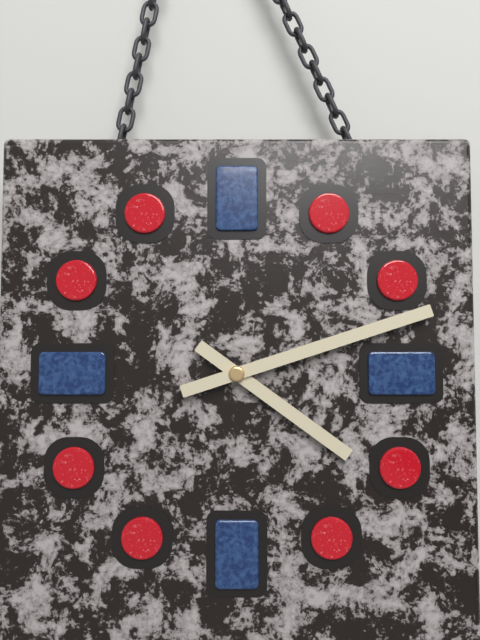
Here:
4 h 12 min
